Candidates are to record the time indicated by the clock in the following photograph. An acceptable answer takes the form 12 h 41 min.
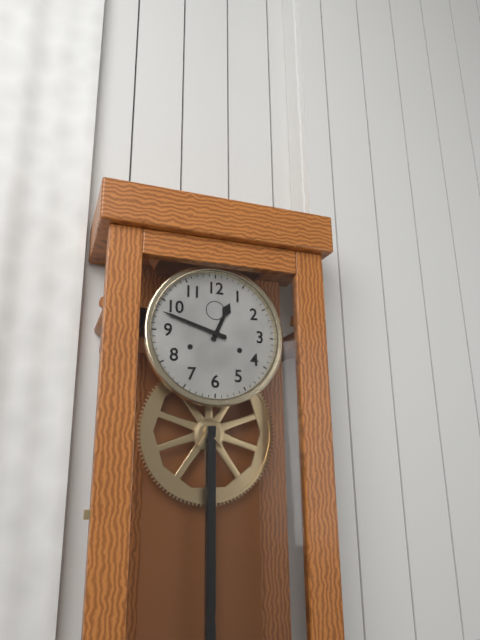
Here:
12 h 48 min
